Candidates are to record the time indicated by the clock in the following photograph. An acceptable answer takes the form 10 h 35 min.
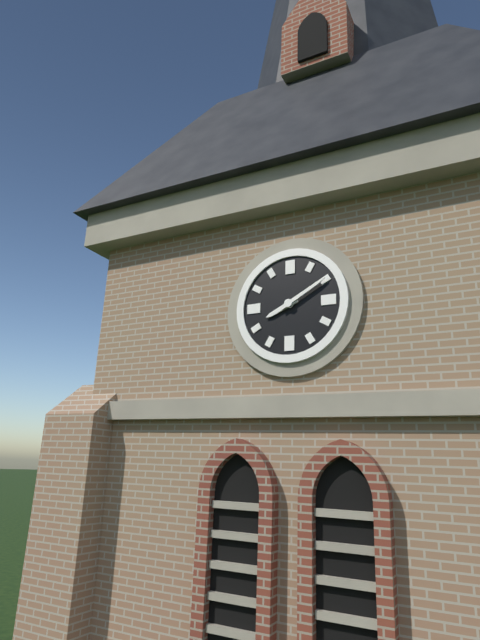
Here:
8 h 10 min
